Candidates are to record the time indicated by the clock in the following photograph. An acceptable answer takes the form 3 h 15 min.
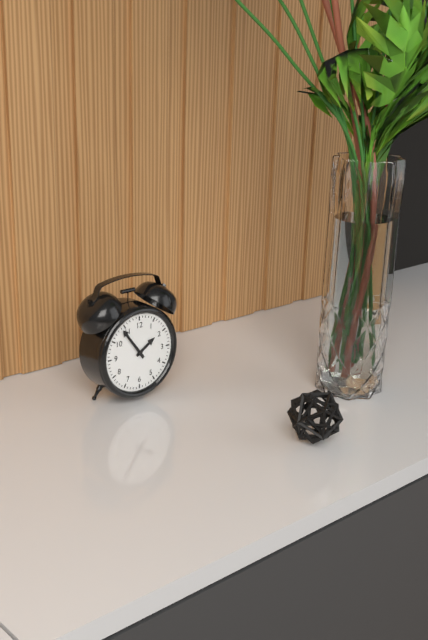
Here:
1 h 54 min
